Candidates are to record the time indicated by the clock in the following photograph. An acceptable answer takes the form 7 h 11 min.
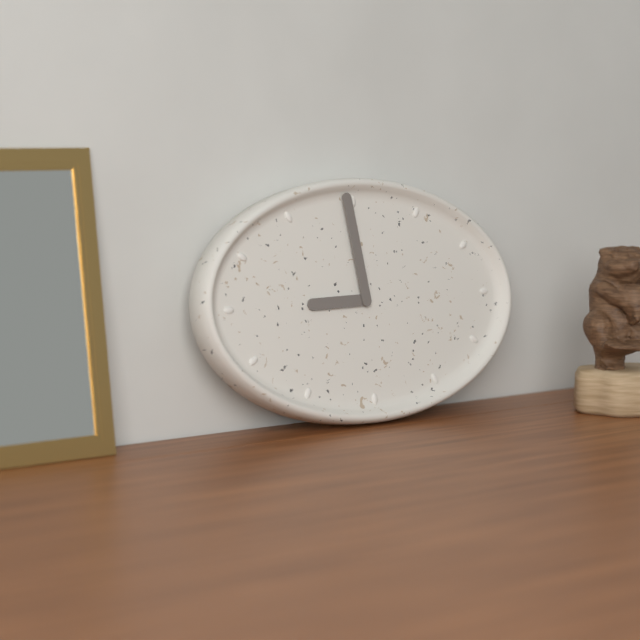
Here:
8 h 59 min
